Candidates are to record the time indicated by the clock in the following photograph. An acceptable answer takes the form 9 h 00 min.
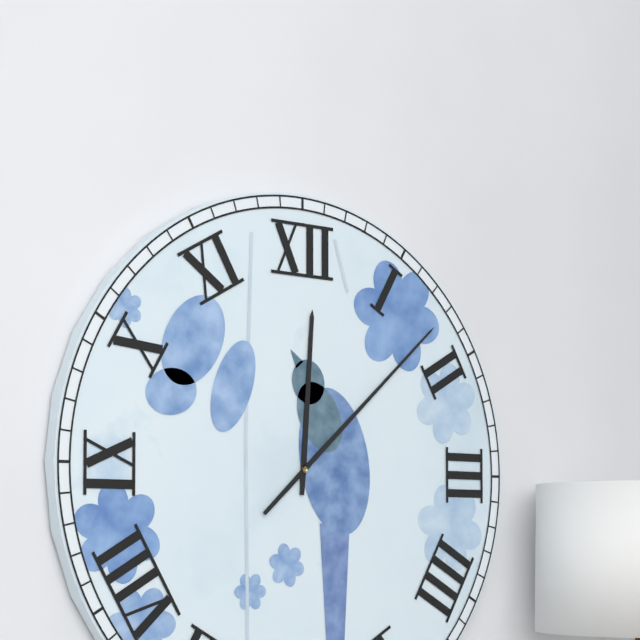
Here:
12 h 08 min
